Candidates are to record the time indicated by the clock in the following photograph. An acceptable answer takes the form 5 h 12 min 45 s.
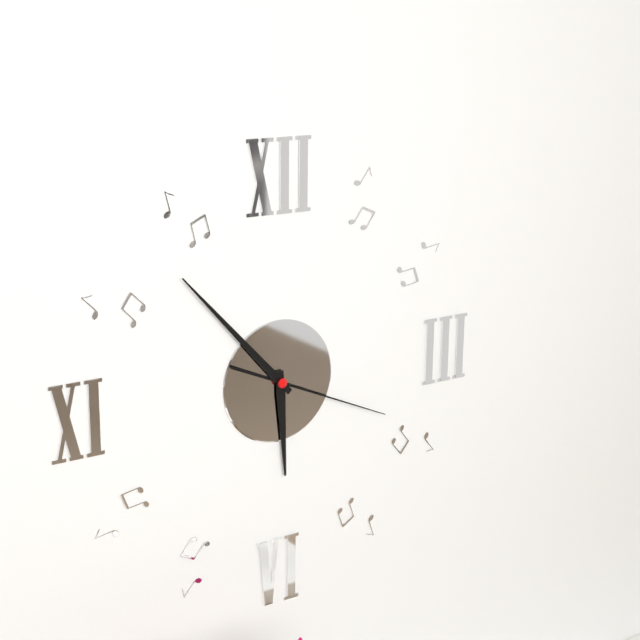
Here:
5 h 53 min 19 s
